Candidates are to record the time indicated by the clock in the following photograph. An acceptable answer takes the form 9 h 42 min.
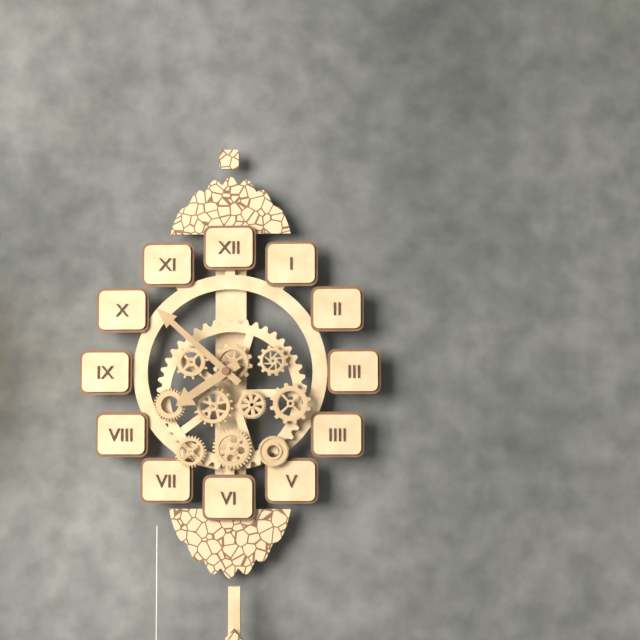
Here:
7 h 52 min
